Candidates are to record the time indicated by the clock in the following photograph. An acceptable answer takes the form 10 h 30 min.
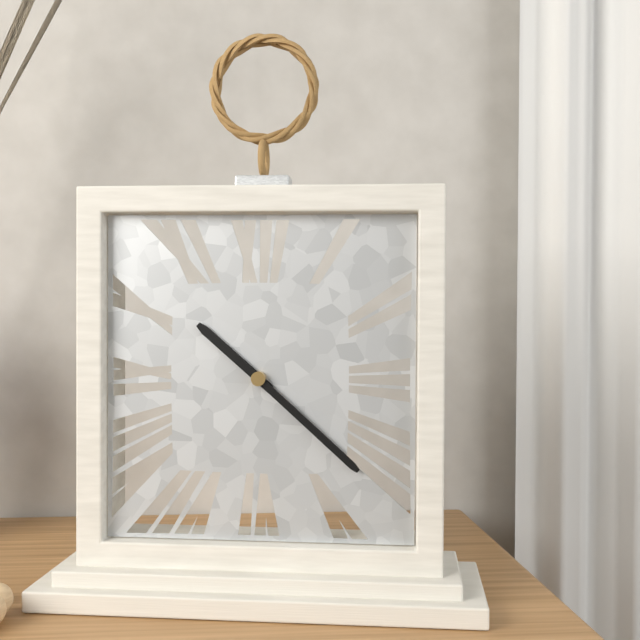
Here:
10 h 22 min
